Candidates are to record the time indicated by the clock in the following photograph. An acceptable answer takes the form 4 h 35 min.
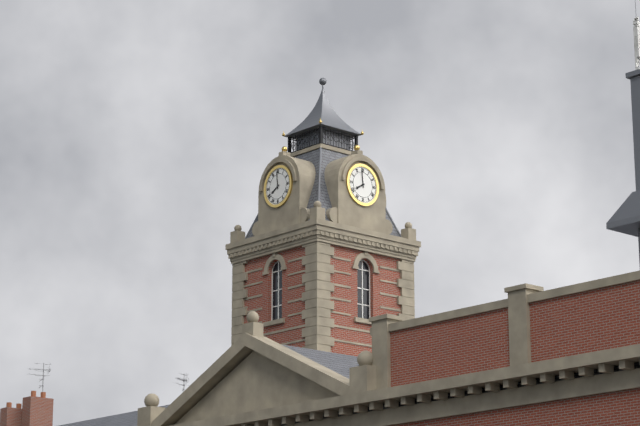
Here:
7 h 59 min
